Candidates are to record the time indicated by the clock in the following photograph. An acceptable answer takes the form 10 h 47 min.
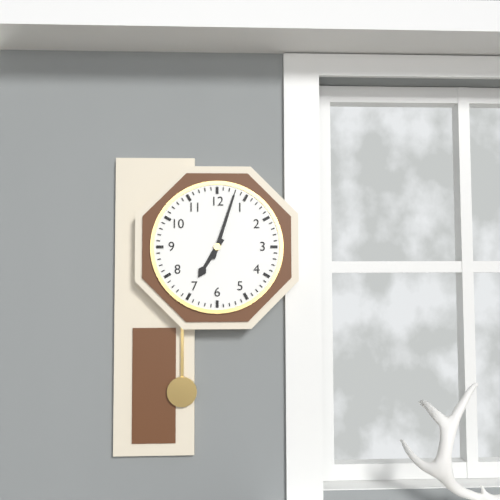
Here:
7 h 03 min
